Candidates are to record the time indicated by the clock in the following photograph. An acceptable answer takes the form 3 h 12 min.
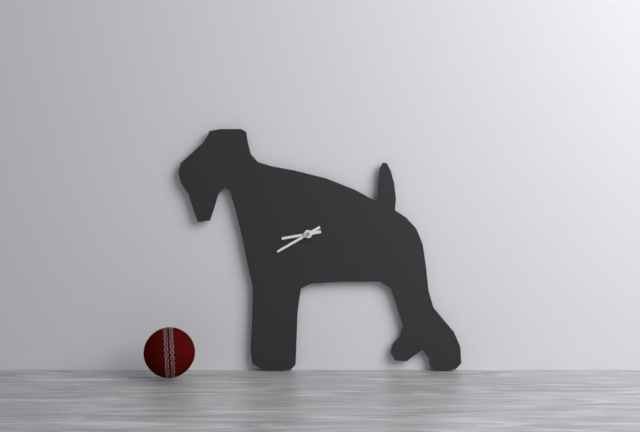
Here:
8 h 40 min
